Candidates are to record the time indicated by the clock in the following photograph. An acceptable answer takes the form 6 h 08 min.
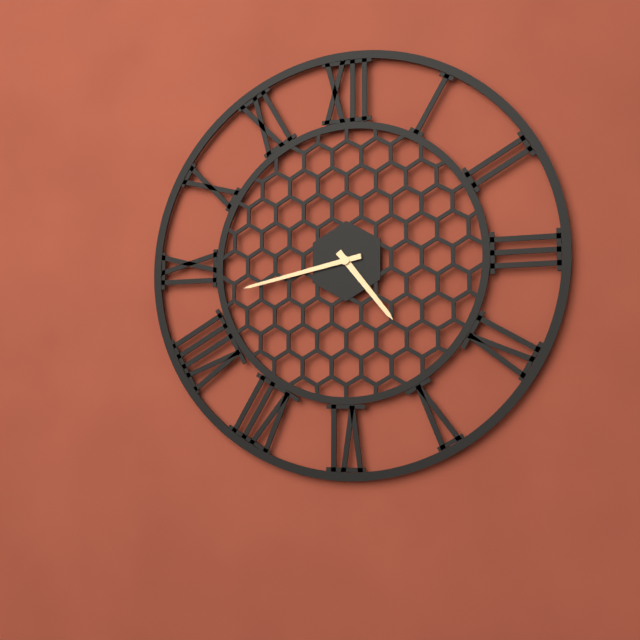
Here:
4 h 43 min
